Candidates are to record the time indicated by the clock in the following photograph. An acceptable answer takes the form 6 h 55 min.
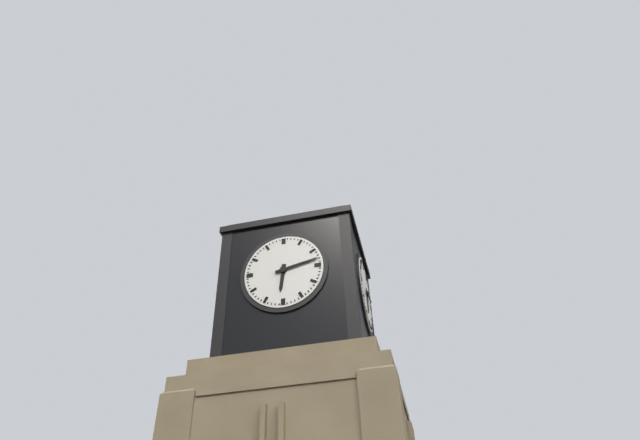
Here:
6 h 13 min
